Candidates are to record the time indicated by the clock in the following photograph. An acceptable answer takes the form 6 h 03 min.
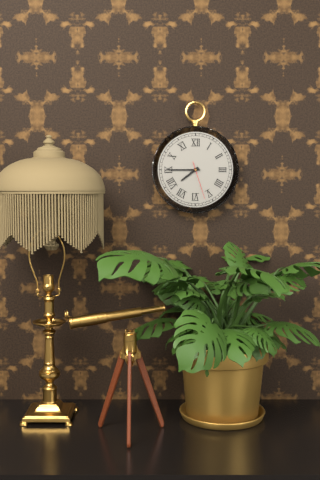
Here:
7 h 45 min
